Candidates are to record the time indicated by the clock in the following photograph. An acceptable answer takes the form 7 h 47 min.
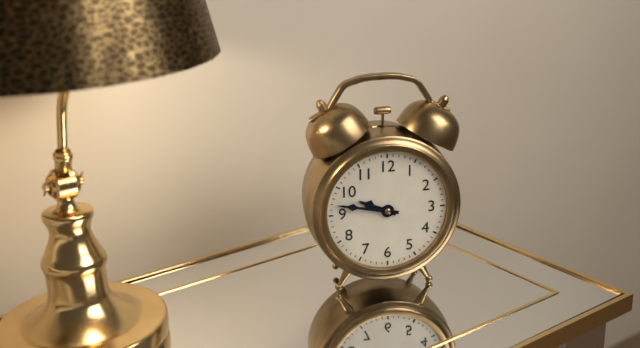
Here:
9 h 47 min
